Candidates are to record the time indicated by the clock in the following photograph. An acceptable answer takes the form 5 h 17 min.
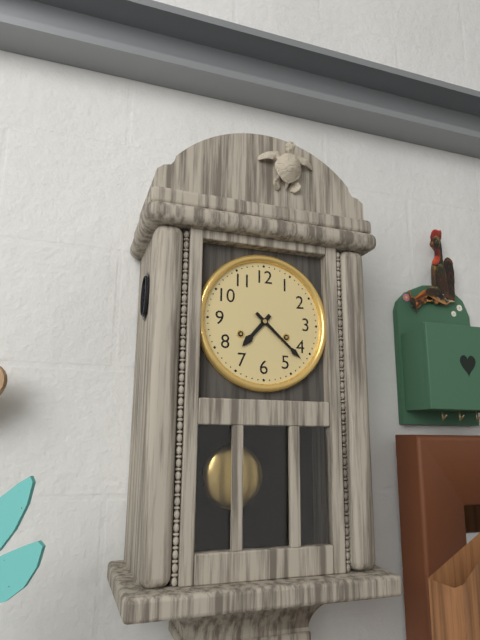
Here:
7 h 22 min
